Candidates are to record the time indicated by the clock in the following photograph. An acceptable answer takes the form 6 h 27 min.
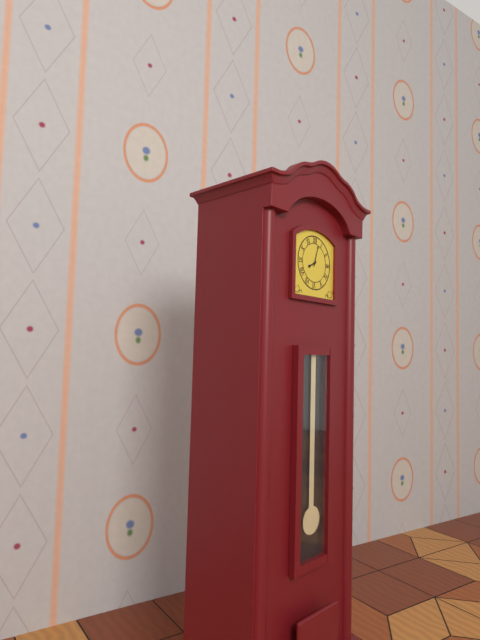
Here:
8 h 03 min
